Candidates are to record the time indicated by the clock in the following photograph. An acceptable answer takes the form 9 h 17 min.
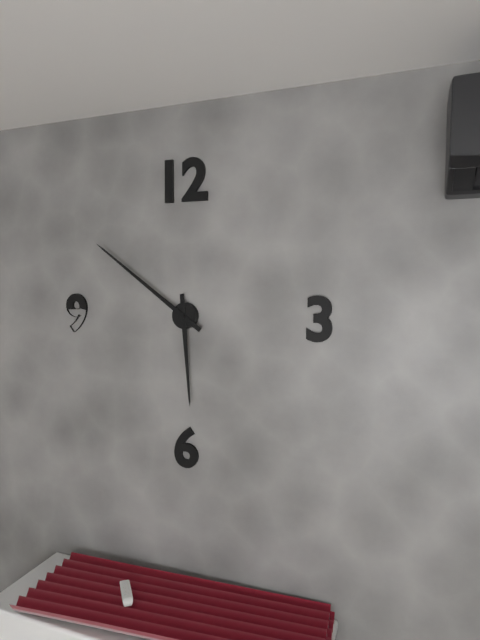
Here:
5 h 51 min
